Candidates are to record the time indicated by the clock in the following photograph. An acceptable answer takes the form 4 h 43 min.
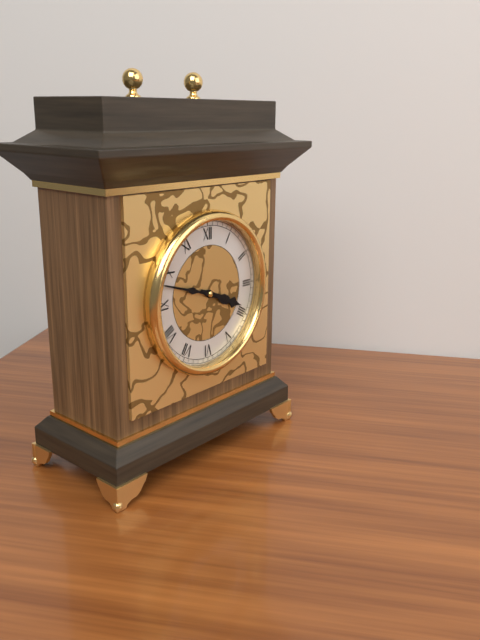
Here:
3 h 48 min
